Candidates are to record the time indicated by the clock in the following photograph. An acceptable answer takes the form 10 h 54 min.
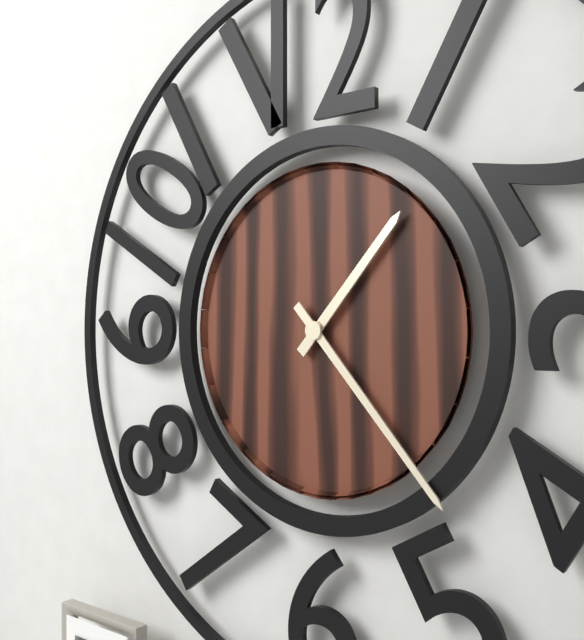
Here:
1 h 23 min
